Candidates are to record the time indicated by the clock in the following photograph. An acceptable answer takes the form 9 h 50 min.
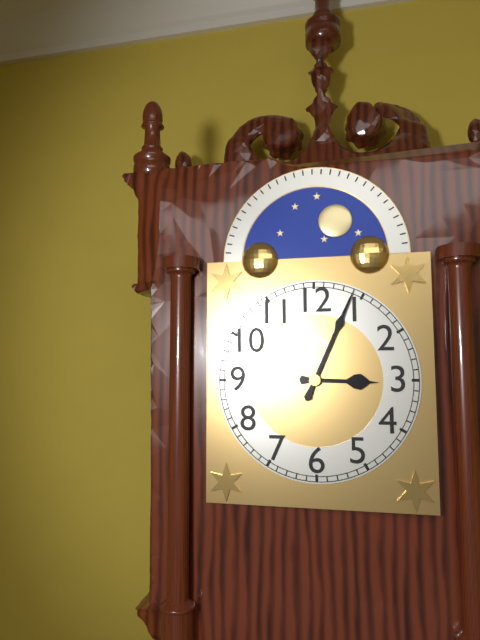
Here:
3 h 04 min
